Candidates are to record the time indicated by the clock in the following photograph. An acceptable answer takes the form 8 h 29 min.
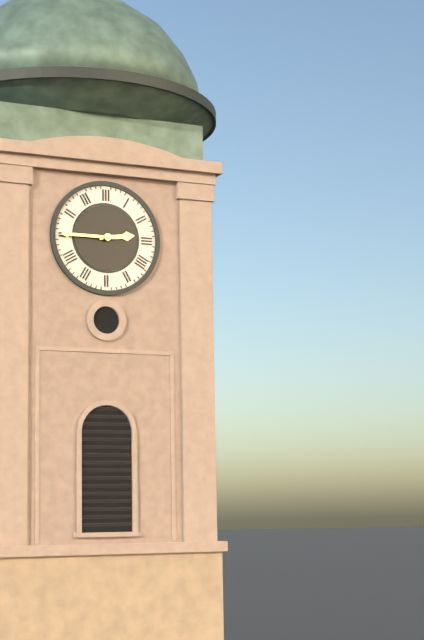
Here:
2 h 45 min
